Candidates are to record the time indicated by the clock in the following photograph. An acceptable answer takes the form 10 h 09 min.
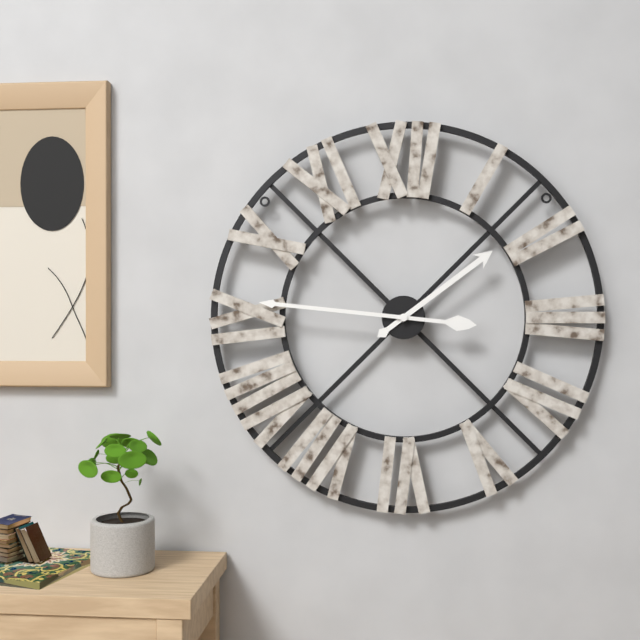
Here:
1 h 46 min
